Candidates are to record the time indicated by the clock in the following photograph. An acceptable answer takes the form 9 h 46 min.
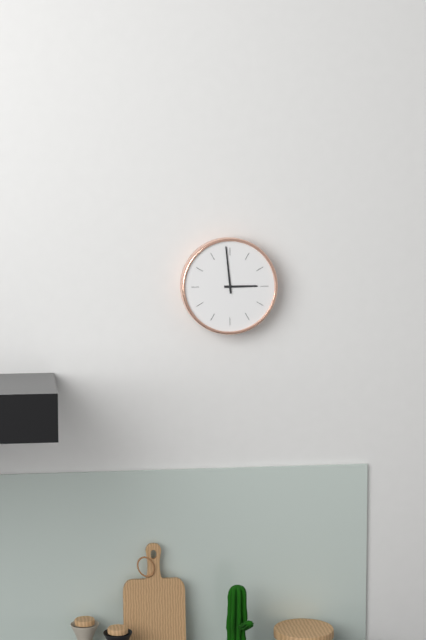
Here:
2 h 59 min
